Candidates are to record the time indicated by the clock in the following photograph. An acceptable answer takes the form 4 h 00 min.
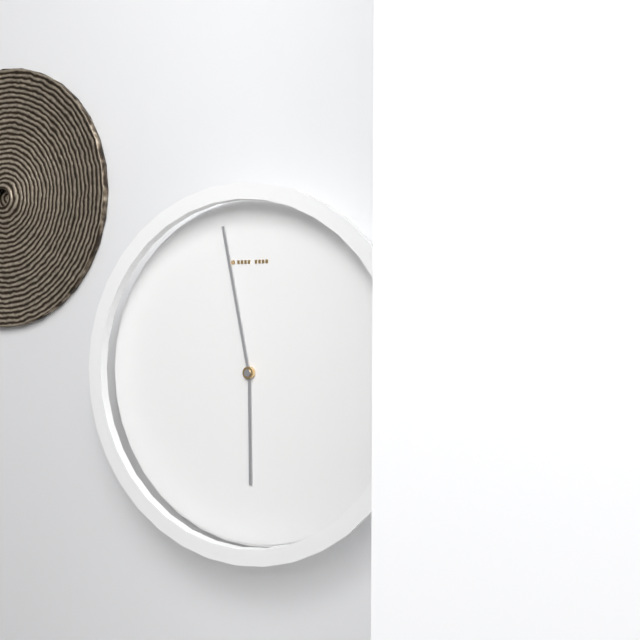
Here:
5 h 58 min
